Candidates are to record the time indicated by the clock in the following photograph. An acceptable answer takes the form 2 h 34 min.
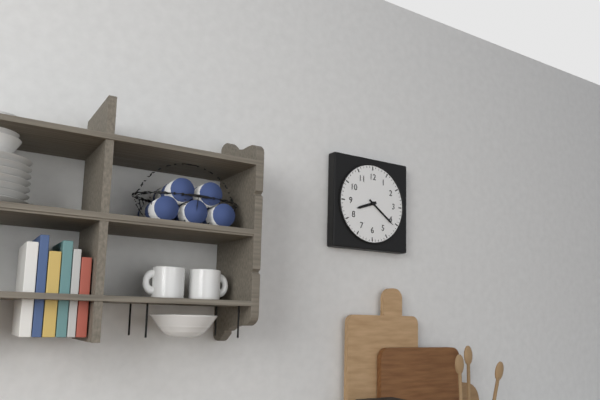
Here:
8 h 21 min
